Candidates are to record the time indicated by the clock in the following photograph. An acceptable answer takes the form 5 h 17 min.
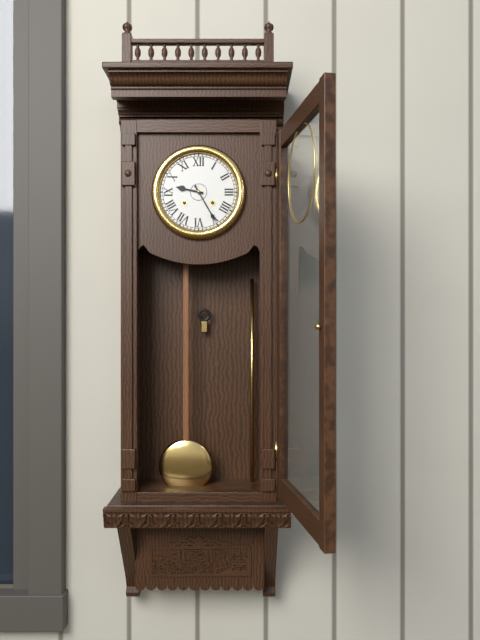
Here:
9 h 25 min
